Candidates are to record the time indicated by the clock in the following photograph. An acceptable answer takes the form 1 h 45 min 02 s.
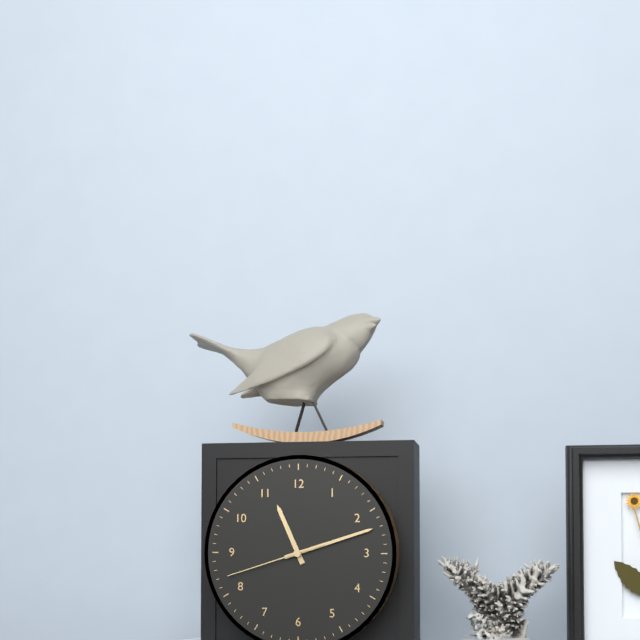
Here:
11 h 12 min 42 s
